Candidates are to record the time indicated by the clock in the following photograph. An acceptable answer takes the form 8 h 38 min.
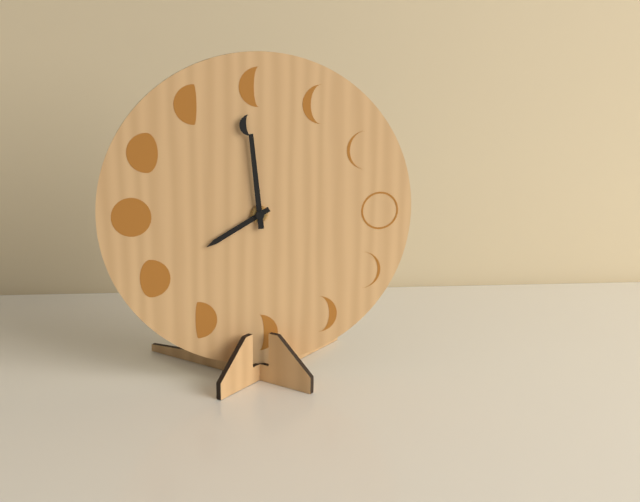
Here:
7 h 59 min
